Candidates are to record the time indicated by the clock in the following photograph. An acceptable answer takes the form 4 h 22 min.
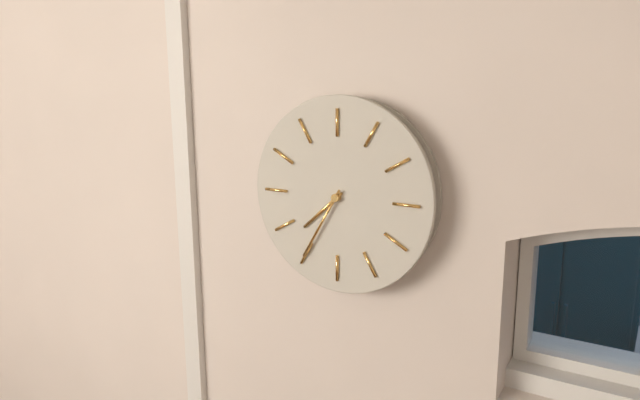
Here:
7 h 35 min
